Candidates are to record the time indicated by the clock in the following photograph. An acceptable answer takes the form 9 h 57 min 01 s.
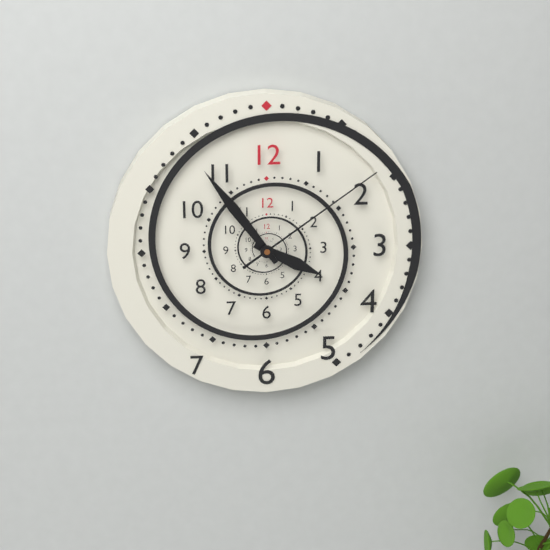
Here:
3 h 54 min 09 s
